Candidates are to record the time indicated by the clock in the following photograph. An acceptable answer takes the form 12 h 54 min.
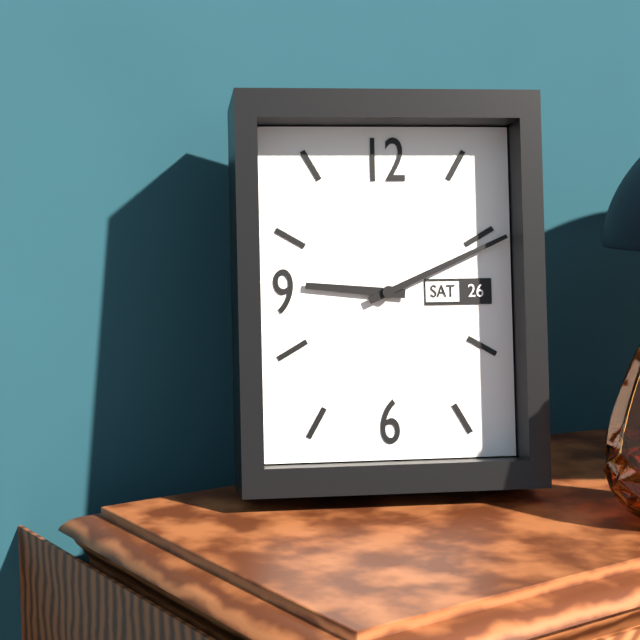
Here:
9 h 11 min
